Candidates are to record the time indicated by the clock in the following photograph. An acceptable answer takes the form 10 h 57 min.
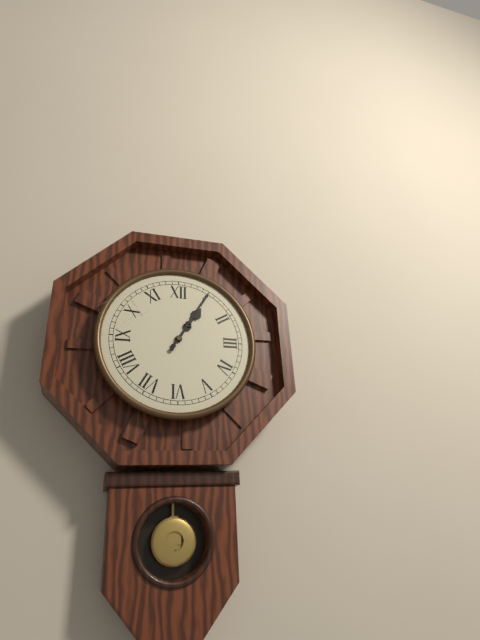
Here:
1 h 05 min
